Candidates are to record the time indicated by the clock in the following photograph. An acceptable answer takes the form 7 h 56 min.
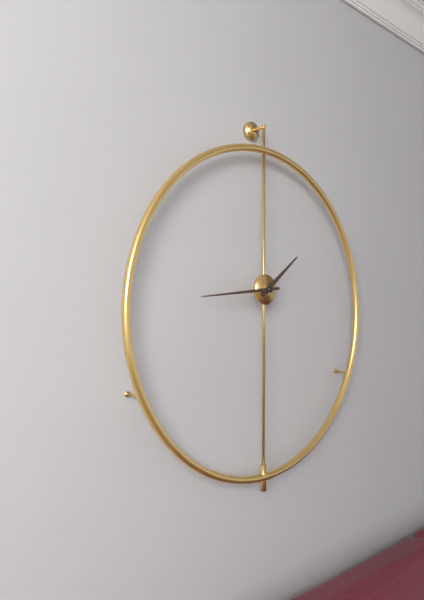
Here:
1 h 44 min
